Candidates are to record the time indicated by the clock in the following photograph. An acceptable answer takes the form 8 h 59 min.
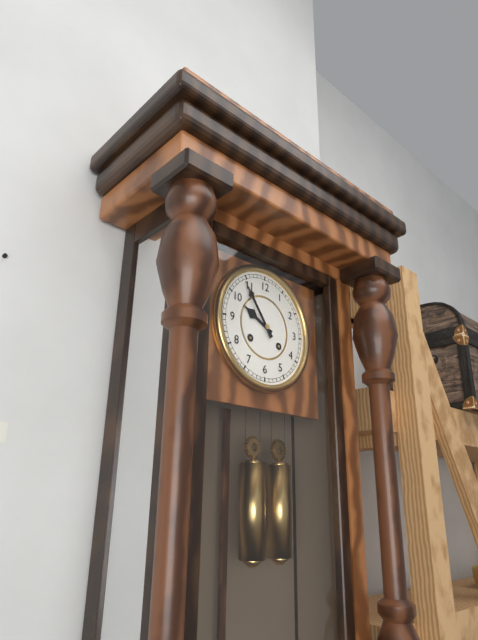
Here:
9 h 54 min
